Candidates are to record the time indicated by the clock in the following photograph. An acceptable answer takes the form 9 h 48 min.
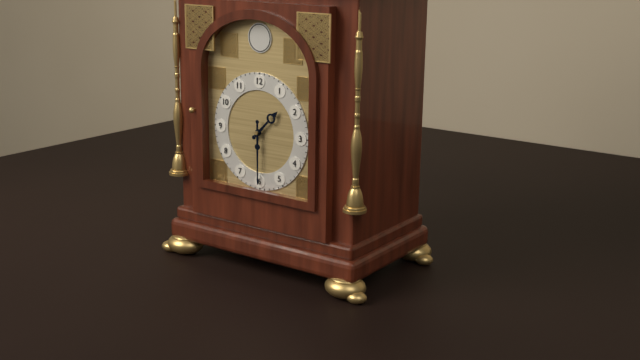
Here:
1 h 30 min
